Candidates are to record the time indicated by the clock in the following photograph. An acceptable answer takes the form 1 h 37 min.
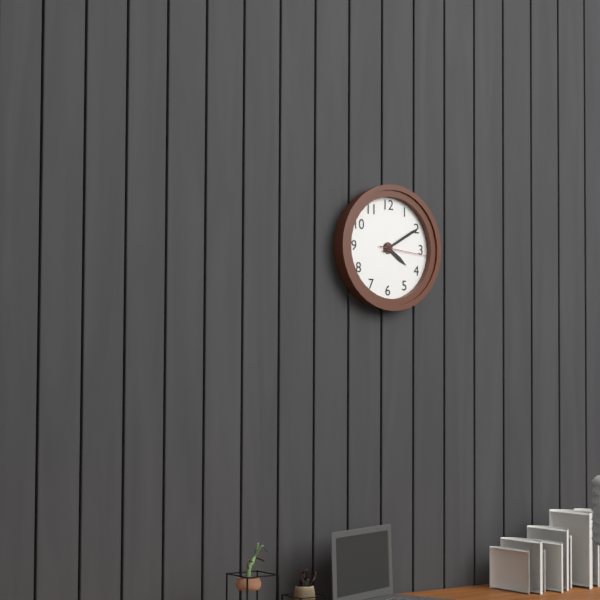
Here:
4 h 10 min
